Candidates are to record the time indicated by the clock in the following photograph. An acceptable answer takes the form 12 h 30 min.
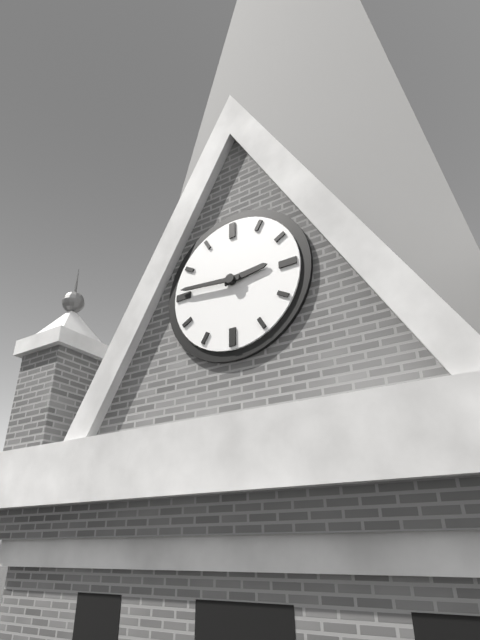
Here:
2 h 46 min
